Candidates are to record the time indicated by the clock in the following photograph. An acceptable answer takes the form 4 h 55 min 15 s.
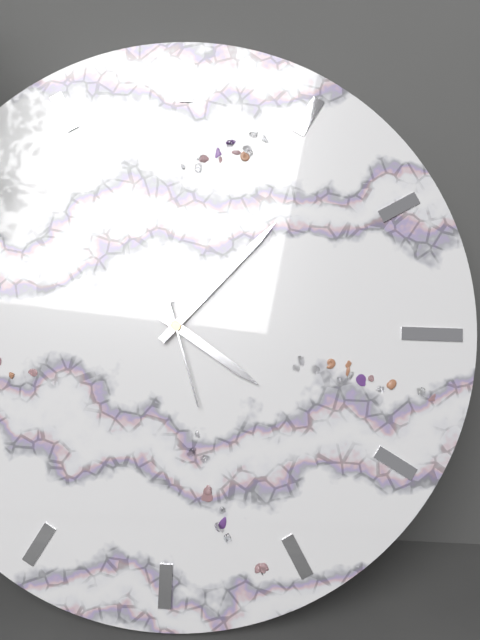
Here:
4 h 07 min 27 s
